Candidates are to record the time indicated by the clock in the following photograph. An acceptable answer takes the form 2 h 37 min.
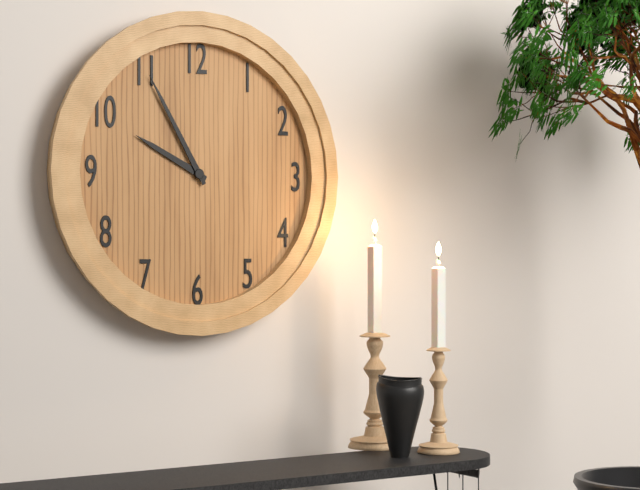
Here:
9 h 55 min
